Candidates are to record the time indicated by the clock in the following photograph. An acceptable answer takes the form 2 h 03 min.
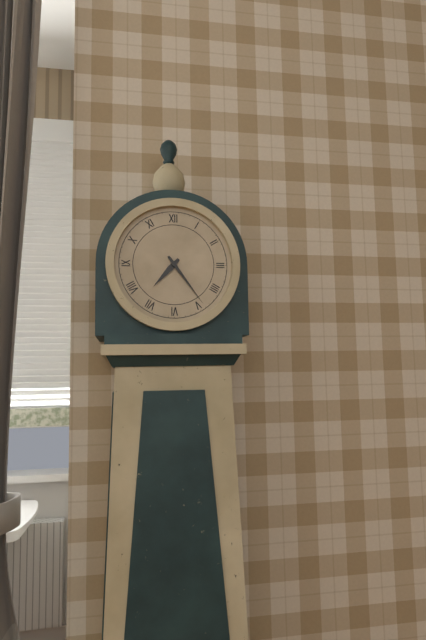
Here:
7 h 24 min
